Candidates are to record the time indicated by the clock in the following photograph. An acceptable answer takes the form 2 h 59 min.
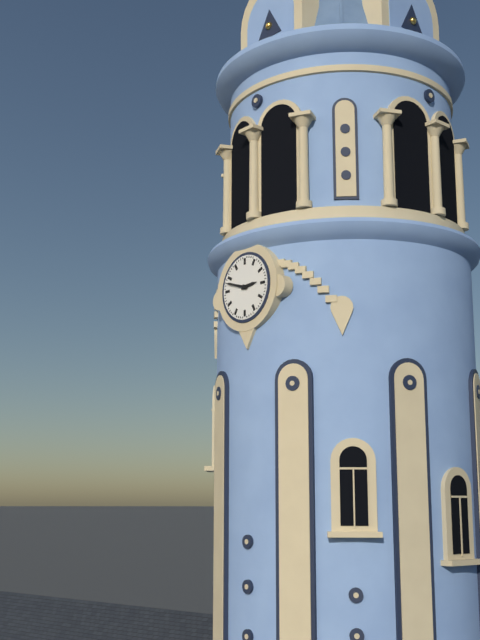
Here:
2 h 48 min
